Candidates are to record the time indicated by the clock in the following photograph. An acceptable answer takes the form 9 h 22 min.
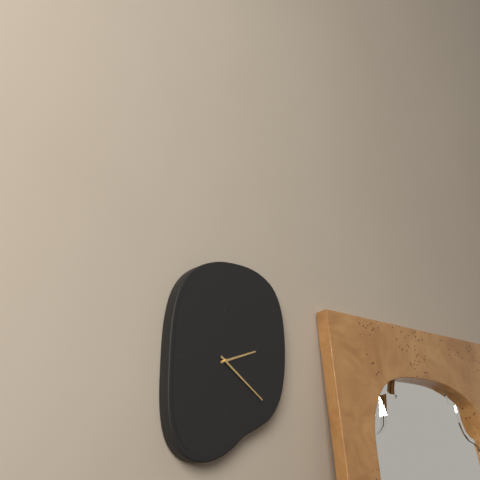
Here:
2 h 21 min
